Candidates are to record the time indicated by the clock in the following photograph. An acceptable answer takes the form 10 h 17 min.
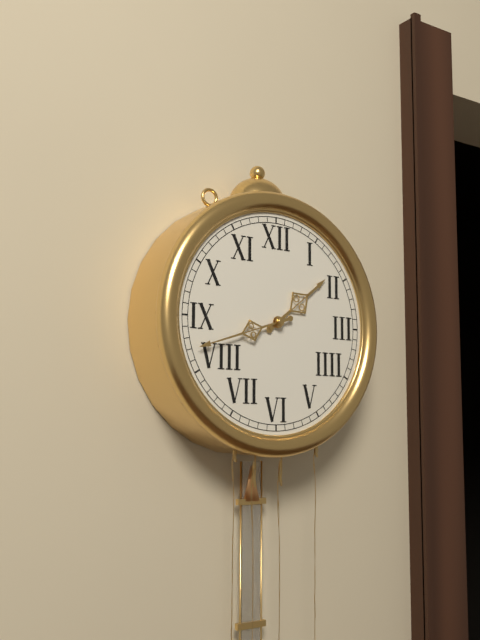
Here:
1 h 42 min
